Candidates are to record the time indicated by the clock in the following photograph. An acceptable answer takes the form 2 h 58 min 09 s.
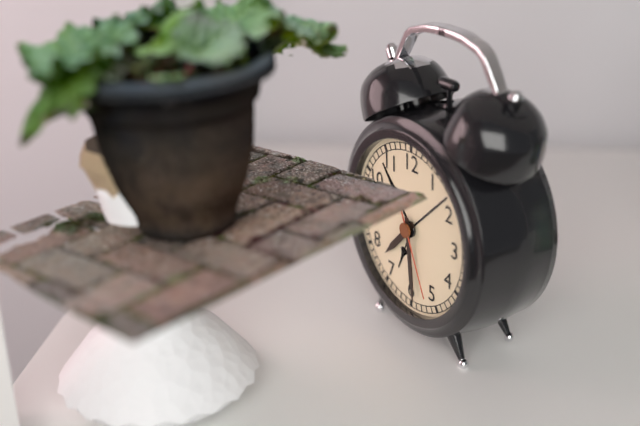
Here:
7 h 29 min 26 s
